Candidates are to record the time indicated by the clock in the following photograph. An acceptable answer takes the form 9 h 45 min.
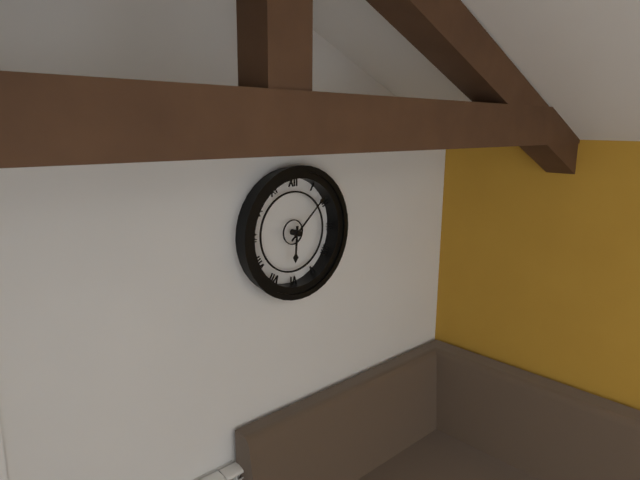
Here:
6 h 08 min
